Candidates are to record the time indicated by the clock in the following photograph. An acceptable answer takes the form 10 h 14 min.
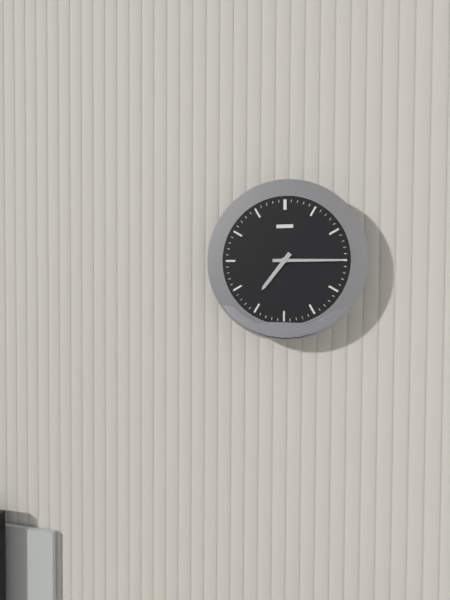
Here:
7 h 15 min
